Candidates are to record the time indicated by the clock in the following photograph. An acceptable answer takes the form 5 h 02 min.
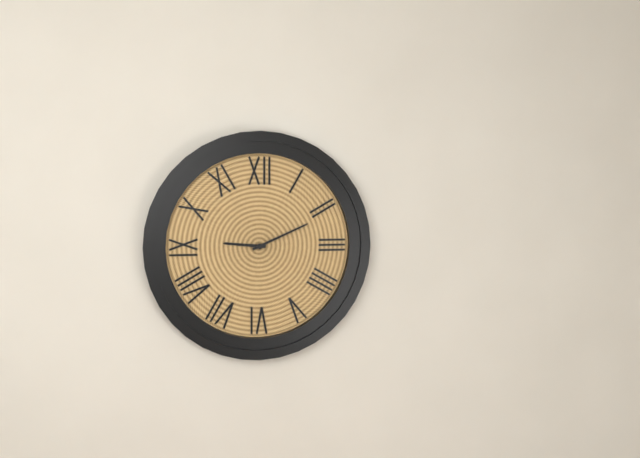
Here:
9 h 11 min
